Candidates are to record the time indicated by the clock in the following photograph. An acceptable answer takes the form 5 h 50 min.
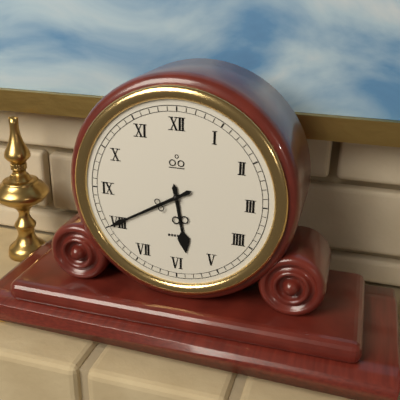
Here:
5 h 40 min
